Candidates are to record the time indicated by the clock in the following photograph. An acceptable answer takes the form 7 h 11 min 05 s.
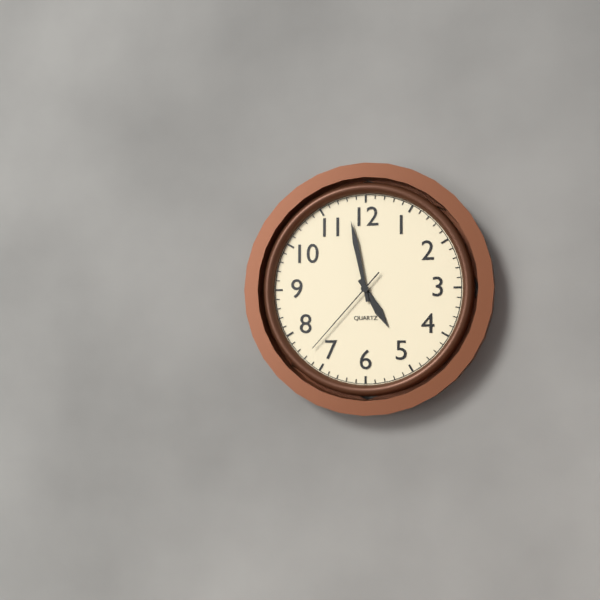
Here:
4 h 58 min 37 s
